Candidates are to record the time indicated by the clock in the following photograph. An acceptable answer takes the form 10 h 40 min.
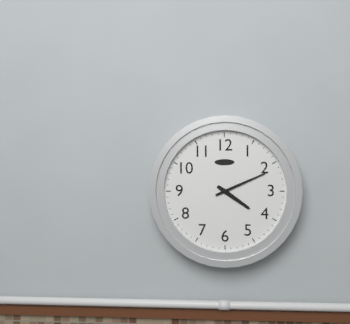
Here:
4 h 11 min
